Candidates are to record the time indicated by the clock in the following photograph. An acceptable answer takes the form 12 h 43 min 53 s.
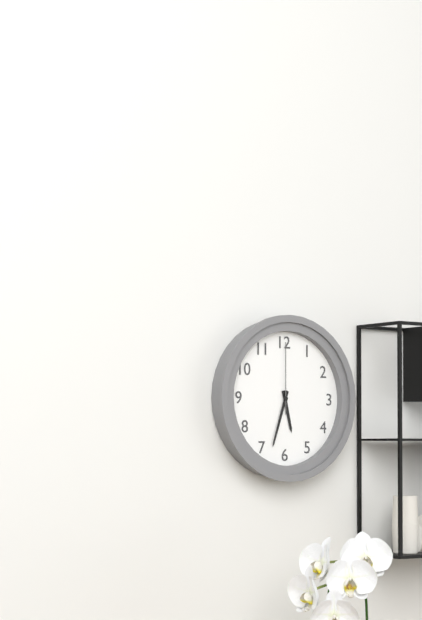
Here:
5 h 33 min 00 s
